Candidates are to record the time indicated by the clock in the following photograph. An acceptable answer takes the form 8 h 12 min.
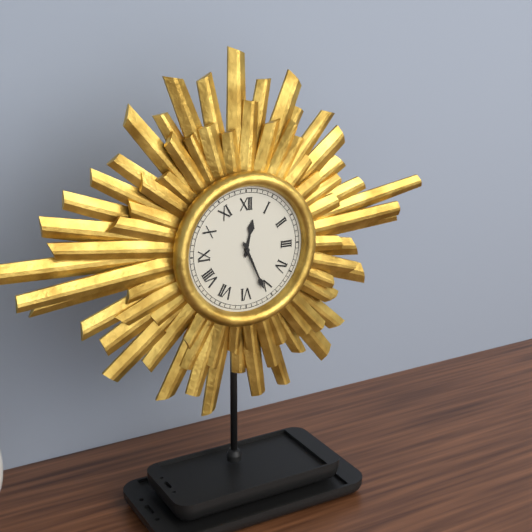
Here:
12 h 26 min
